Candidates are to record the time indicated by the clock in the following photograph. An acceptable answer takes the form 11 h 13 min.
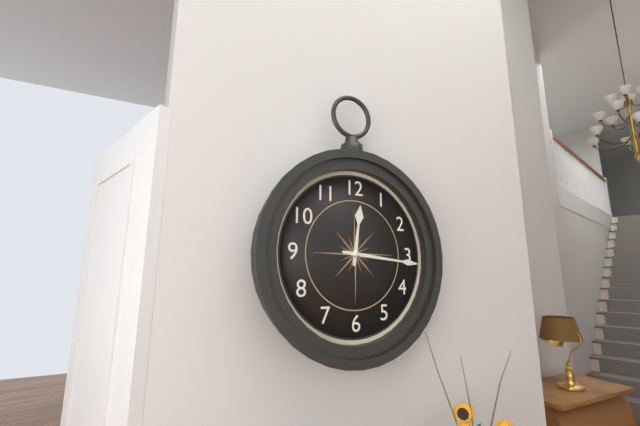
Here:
12 h 16 min
